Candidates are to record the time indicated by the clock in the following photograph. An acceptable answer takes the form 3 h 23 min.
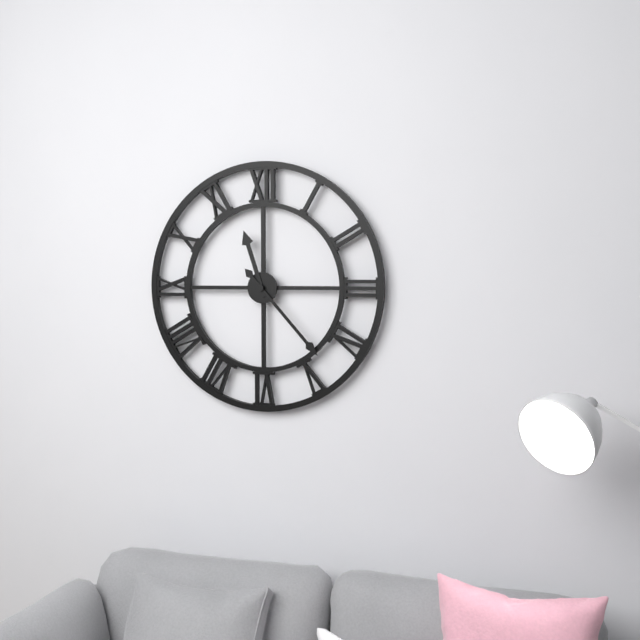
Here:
11 h 23 min
